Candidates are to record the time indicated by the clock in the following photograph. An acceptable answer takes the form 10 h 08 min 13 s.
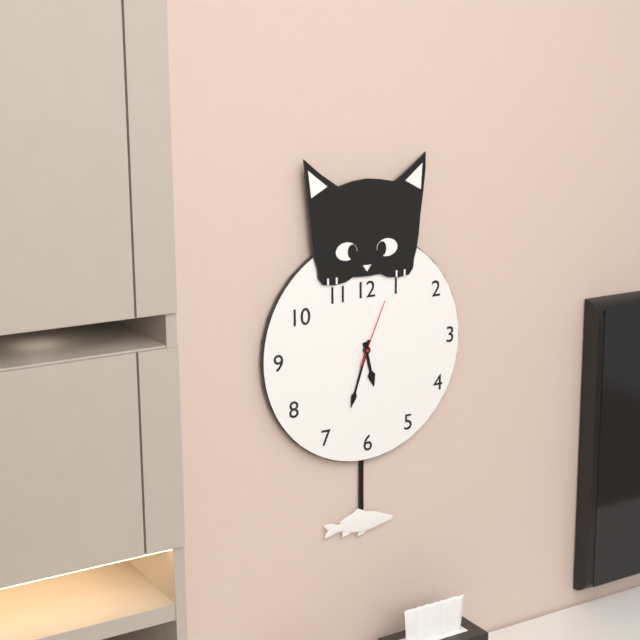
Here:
5 h 33 min 04 s
